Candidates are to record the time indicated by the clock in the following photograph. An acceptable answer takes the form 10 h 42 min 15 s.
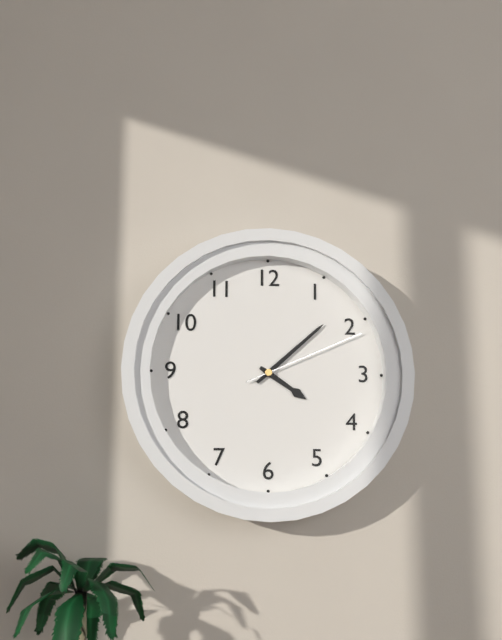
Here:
4 h 08 min 11 s
